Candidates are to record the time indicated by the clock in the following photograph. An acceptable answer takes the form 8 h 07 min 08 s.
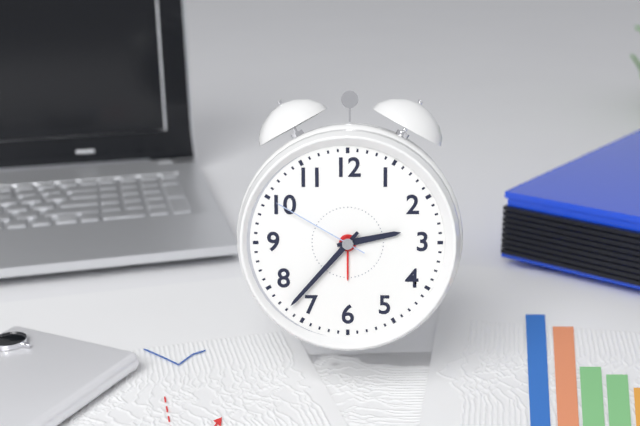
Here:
2 h 37 min 50 s
